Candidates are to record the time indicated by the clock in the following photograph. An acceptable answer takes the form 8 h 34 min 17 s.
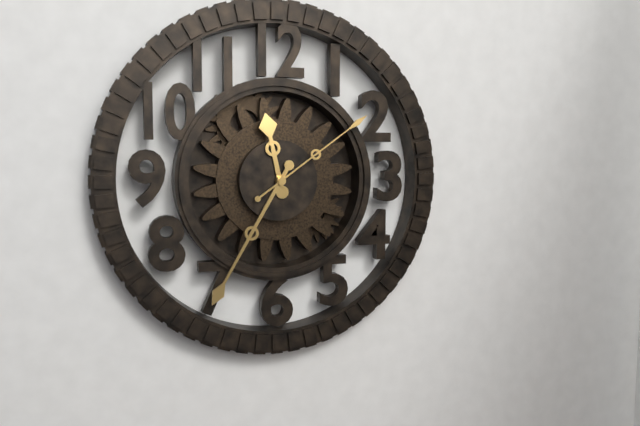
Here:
11 h 35 min 09 s
